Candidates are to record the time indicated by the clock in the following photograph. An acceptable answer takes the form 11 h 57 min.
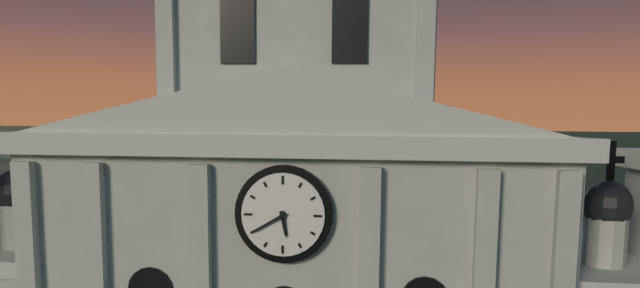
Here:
5 h 40 min
